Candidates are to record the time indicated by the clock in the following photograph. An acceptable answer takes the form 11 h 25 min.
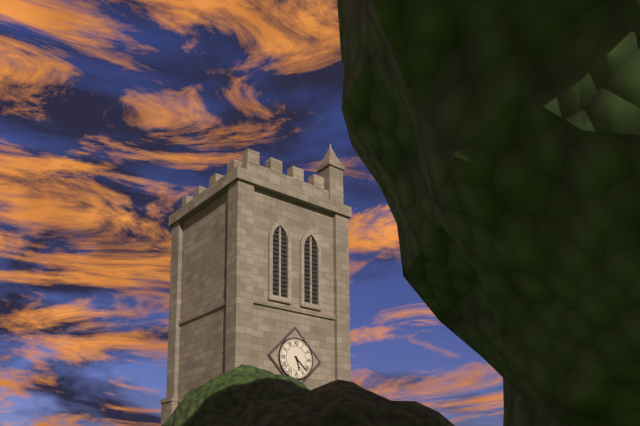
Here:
5 h 22 min
